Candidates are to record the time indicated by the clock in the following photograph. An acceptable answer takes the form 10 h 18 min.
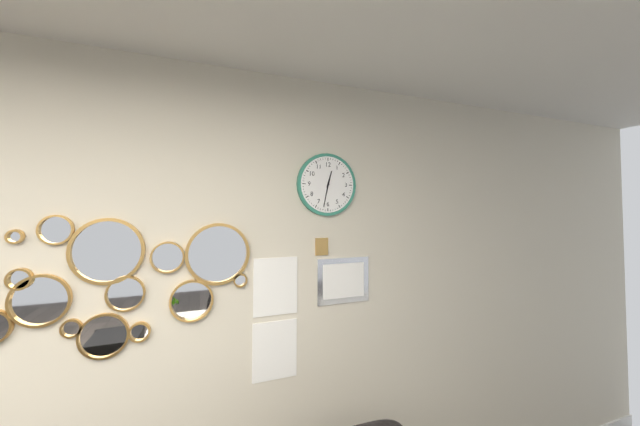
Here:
12 h 32 min
